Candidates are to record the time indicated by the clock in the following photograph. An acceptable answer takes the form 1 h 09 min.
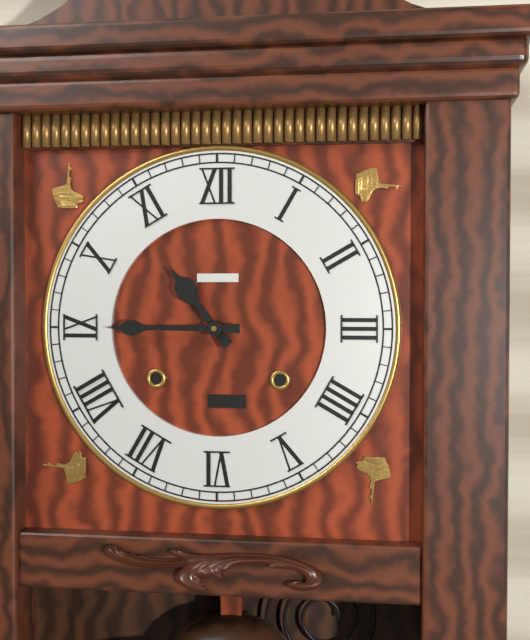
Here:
10 h 45 min
